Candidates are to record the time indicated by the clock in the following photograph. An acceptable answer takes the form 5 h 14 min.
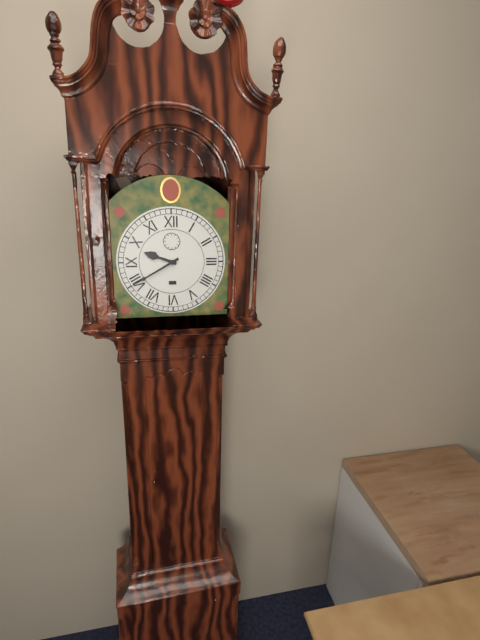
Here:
9 h 40 min
